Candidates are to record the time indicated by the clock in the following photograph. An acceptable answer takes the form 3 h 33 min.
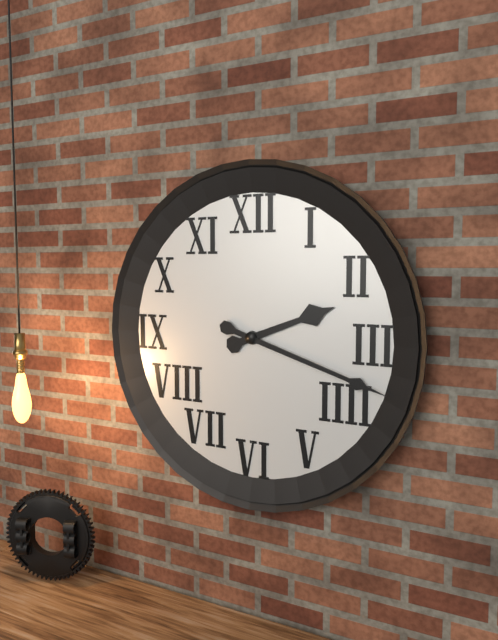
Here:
2 h 18 min
